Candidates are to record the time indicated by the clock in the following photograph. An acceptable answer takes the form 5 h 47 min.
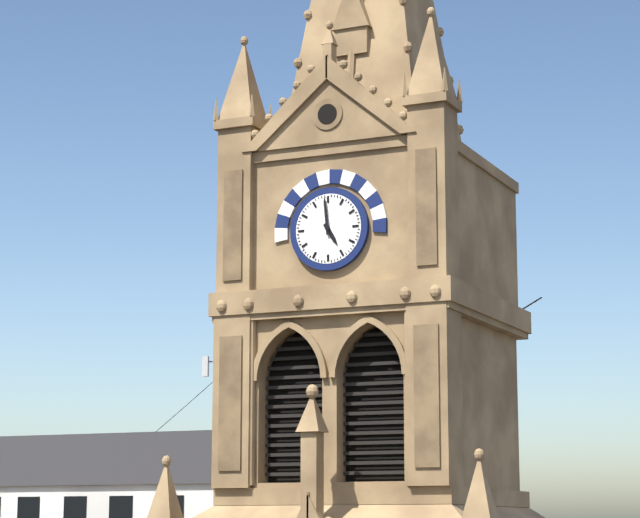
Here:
4 h 59 min
